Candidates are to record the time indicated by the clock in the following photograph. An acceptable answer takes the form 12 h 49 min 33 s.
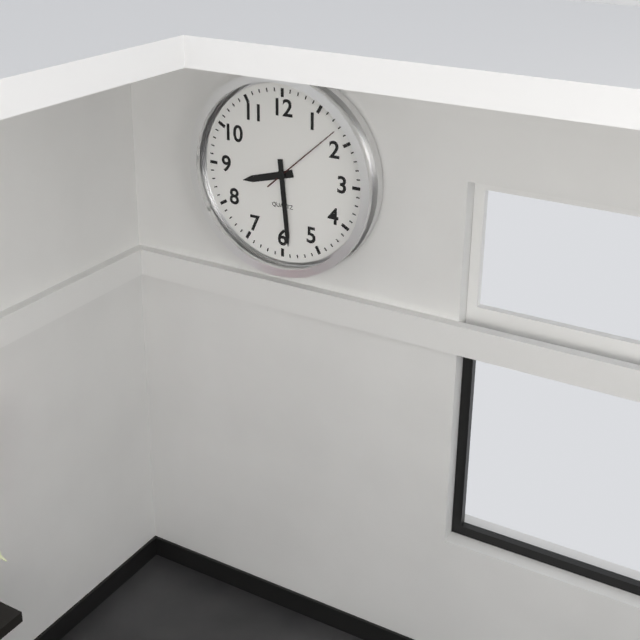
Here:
8 h 29 min 08 s
